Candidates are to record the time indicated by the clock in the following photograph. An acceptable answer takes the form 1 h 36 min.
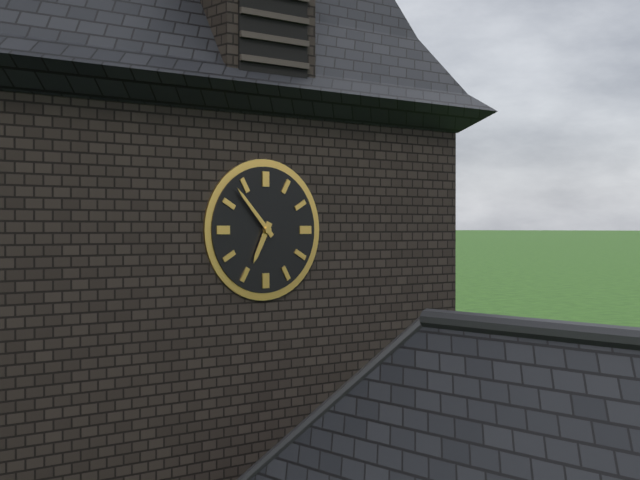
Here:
6 h 53 min
